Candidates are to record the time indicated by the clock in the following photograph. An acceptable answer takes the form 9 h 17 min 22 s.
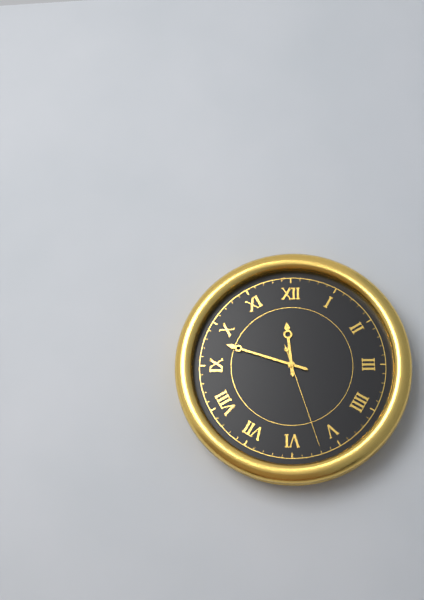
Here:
11 h 48 min 27 s
